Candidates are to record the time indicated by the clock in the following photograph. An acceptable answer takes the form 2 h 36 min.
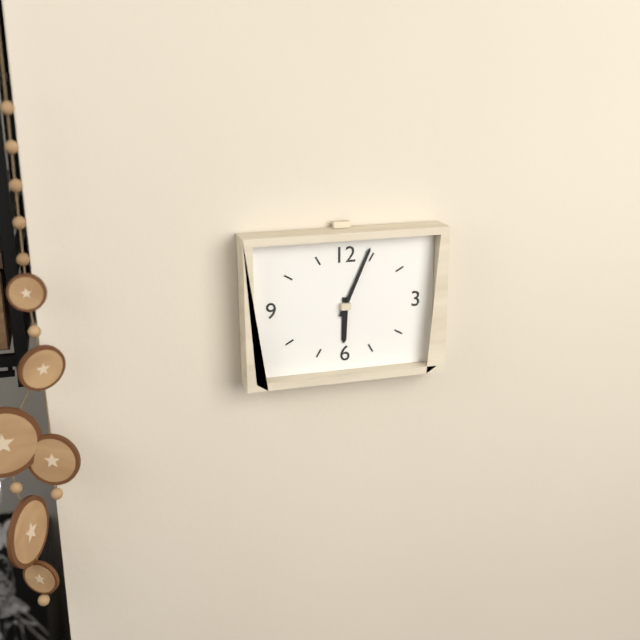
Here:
6 h 04 min
